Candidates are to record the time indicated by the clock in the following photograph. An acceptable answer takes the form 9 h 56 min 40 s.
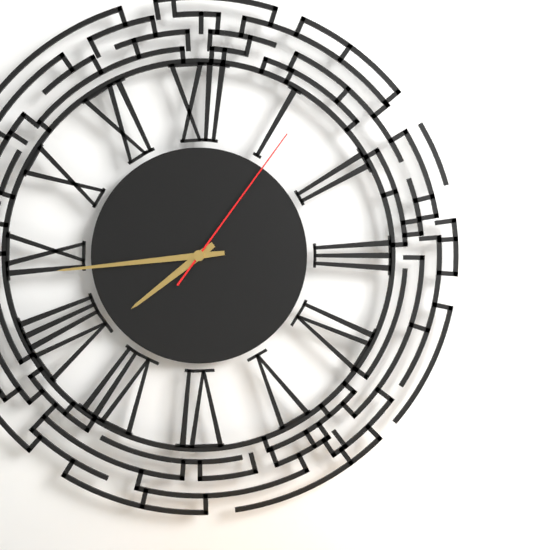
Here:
7 h 44 min 06 s
